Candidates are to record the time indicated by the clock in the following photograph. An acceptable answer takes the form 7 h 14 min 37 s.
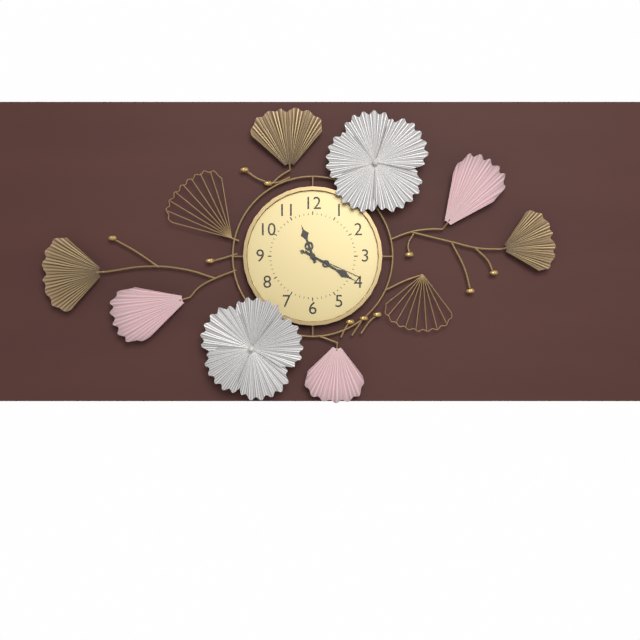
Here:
11 h 20 min 19 s
